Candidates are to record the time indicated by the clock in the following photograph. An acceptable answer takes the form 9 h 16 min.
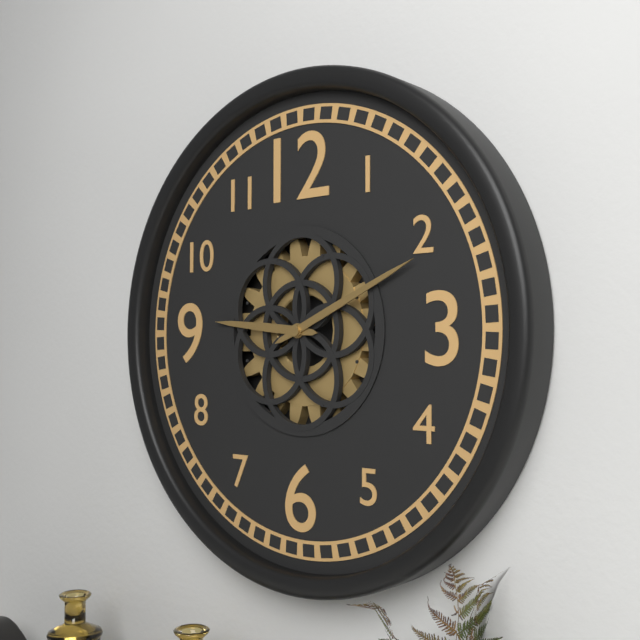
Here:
9 h 11 min
